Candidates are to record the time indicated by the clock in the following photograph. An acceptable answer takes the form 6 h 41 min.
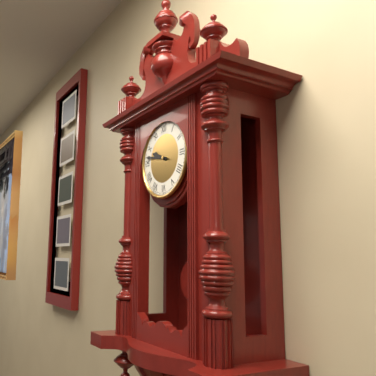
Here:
9 h 47 min
